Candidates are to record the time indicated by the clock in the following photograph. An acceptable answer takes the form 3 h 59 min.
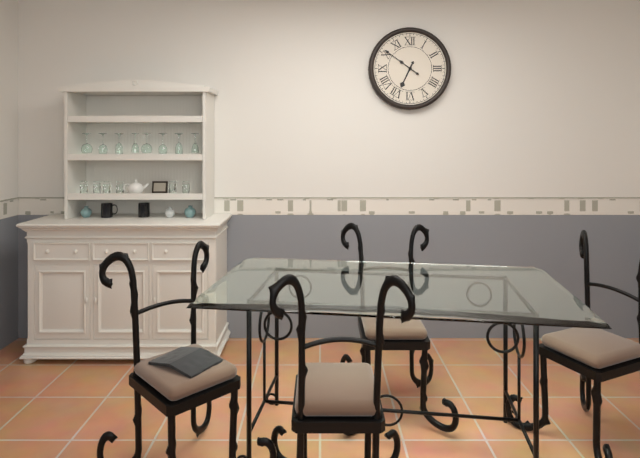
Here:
6 h 51 min
